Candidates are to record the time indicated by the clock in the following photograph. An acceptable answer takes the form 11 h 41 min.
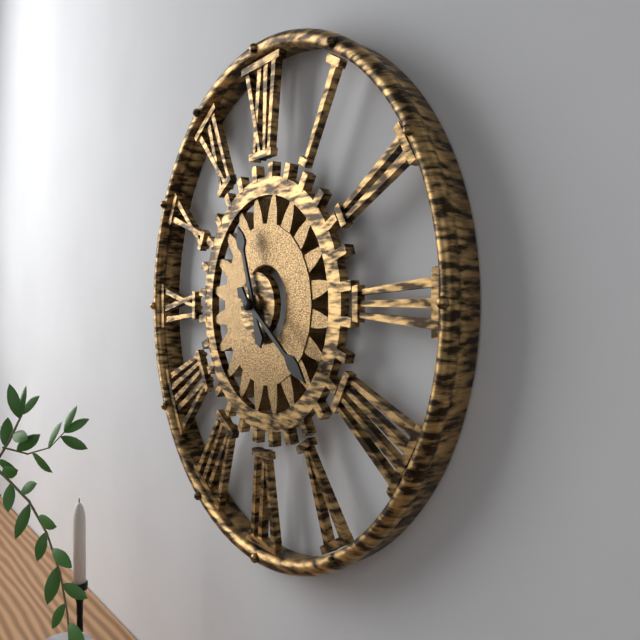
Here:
11 h 21 min
